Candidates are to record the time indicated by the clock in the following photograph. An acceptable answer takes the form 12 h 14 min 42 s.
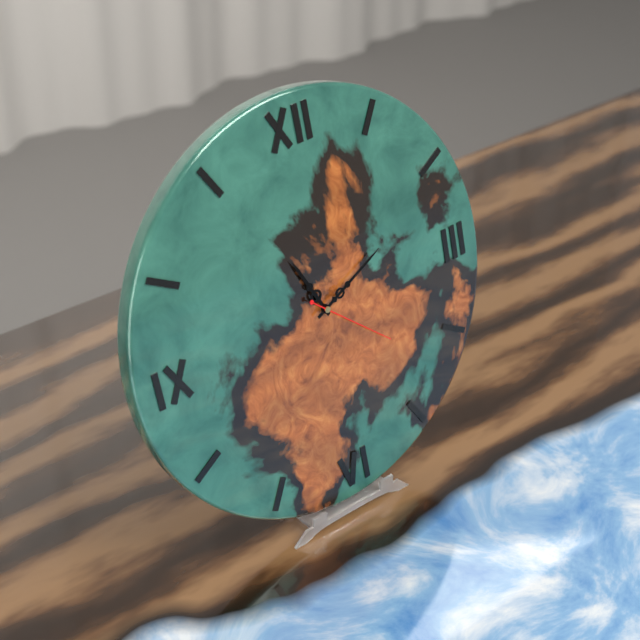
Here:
11 h 11 min 22 s
